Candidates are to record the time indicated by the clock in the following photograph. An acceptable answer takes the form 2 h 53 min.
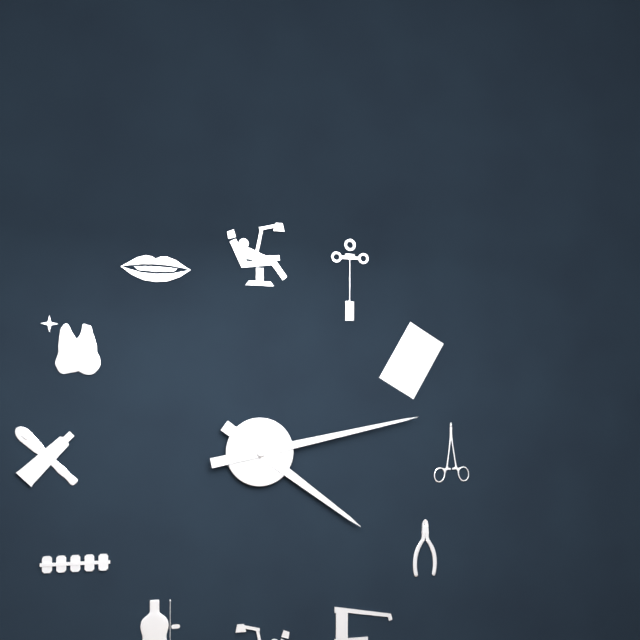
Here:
4 h 13 min
